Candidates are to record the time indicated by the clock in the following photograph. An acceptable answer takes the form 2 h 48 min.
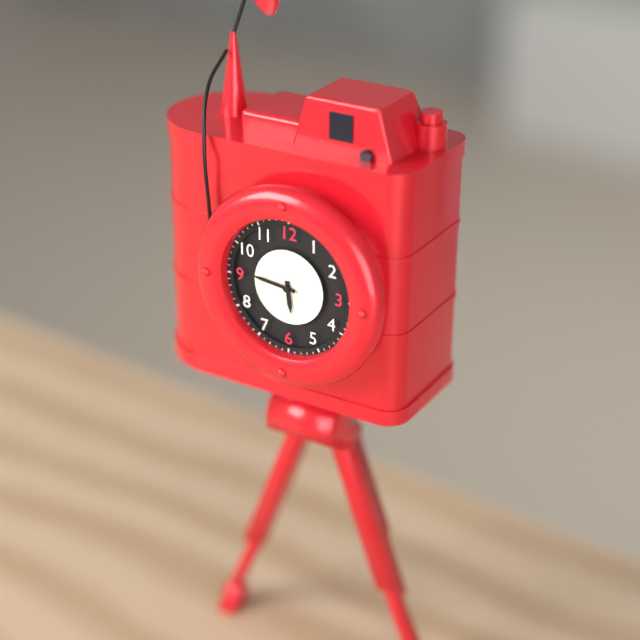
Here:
5 h 46 min
